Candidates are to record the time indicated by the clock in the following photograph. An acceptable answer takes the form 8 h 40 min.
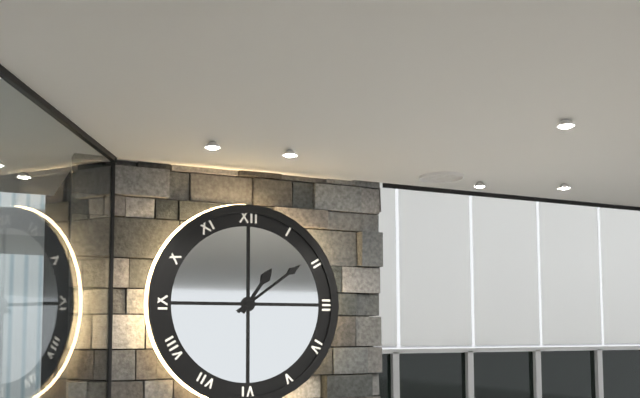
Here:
1 h 09 min
